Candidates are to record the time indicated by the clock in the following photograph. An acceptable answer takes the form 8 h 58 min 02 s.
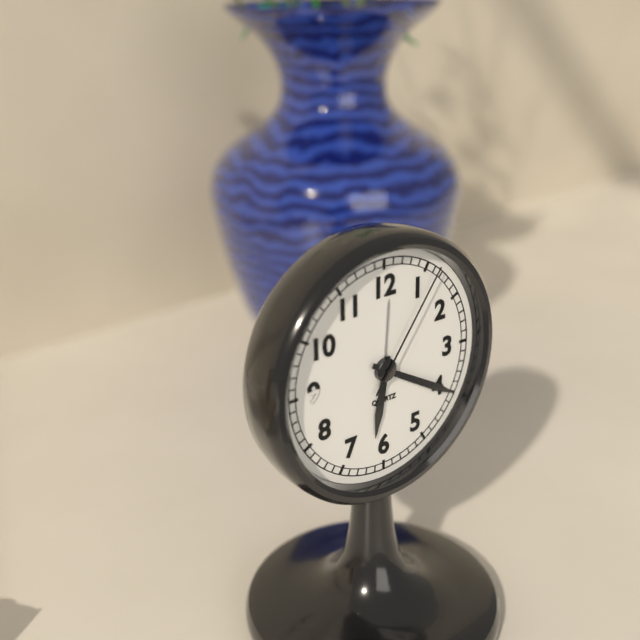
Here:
6 h 20 min 06 s
